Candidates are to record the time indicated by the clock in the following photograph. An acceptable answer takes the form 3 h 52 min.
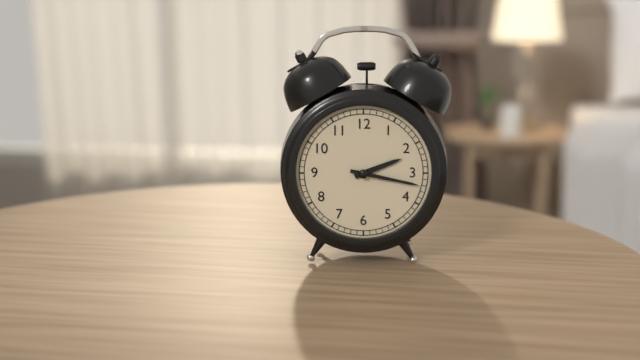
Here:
2 h 17 min
